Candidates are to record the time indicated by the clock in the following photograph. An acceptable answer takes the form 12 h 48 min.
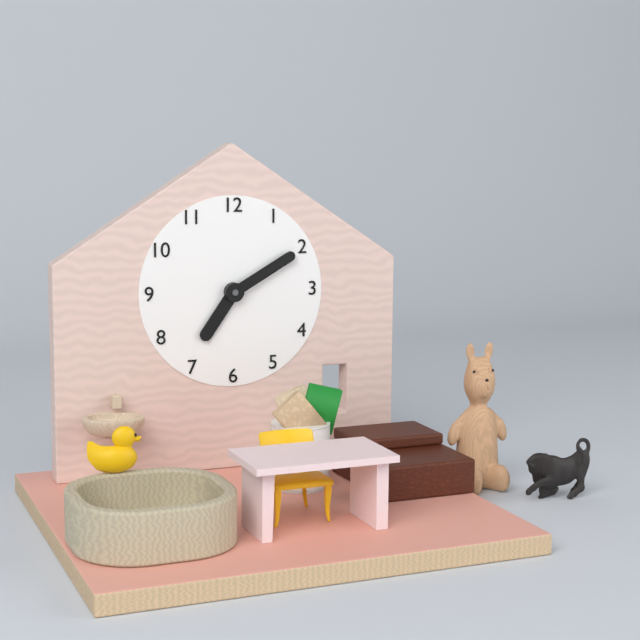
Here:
7 h 10 min
